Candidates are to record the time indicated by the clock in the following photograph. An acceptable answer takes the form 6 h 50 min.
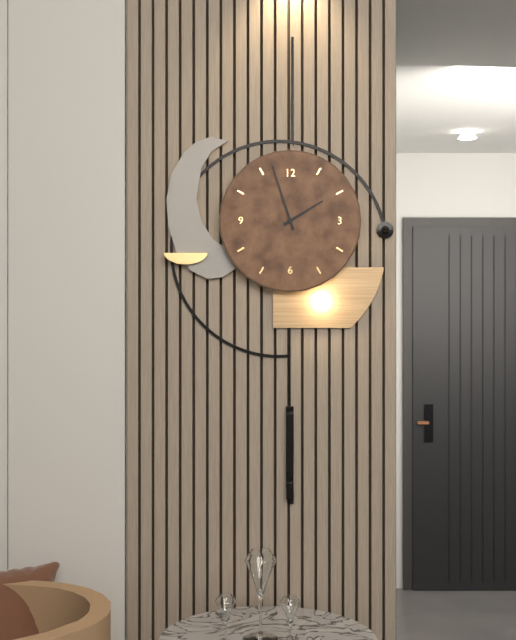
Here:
1 h 57 min
